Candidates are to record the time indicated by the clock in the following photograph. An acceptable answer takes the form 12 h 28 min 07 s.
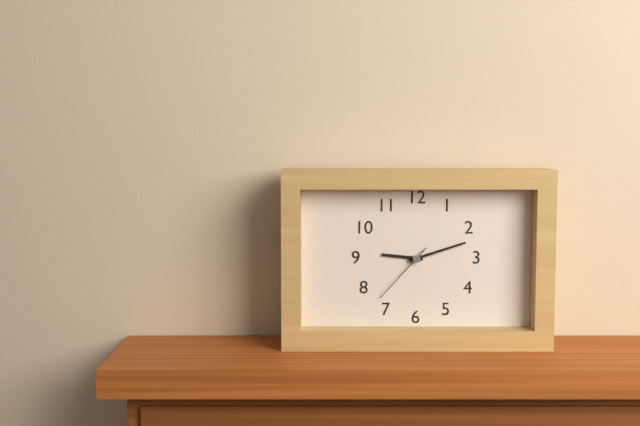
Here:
9 h 12 min 37 s
